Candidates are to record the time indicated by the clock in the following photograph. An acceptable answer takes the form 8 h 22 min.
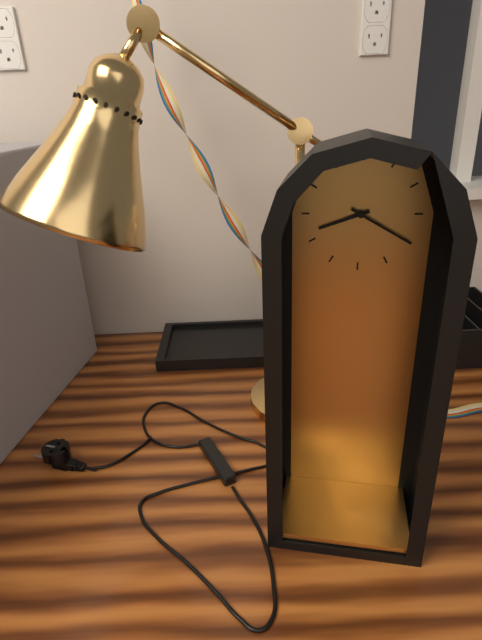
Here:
8 h 20 min
